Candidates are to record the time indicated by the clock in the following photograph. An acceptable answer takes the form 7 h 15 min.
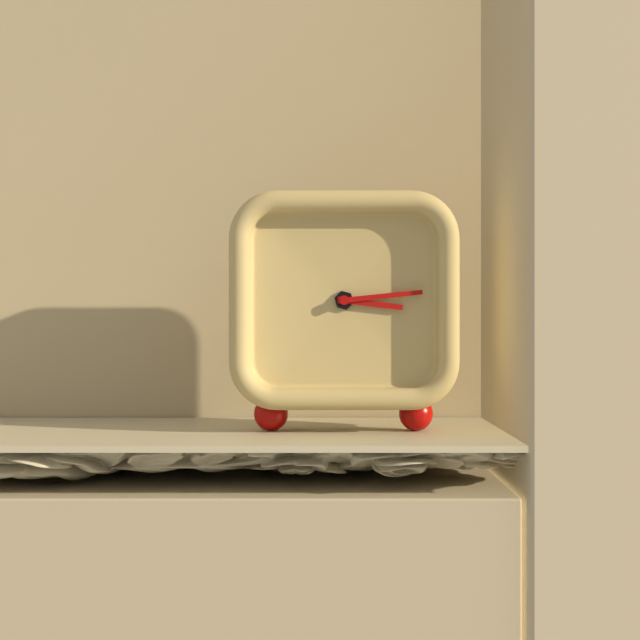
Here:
3 h 14 min
